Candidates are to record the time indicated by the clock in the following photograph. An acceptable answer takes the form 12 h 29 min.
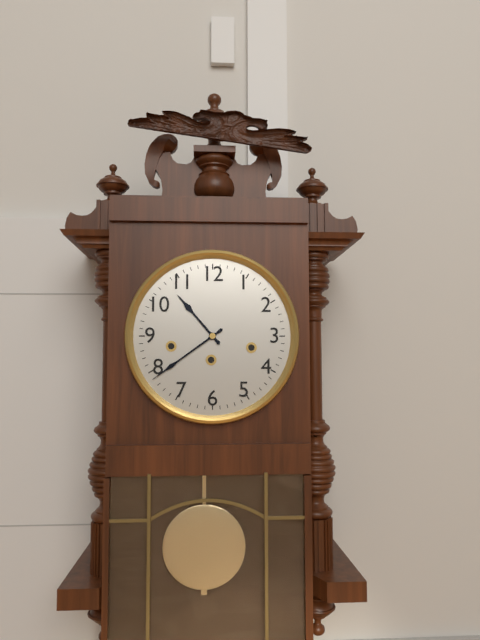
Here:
10 h 39 min
